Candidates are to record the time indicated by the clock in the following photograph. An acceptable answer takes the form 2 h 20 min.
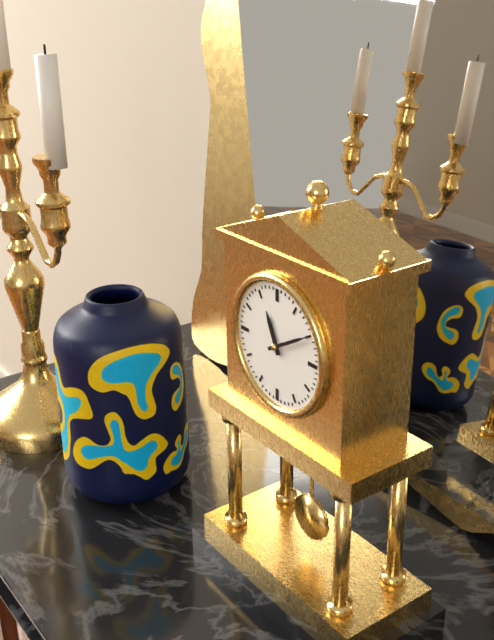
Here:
11 h 10 min
